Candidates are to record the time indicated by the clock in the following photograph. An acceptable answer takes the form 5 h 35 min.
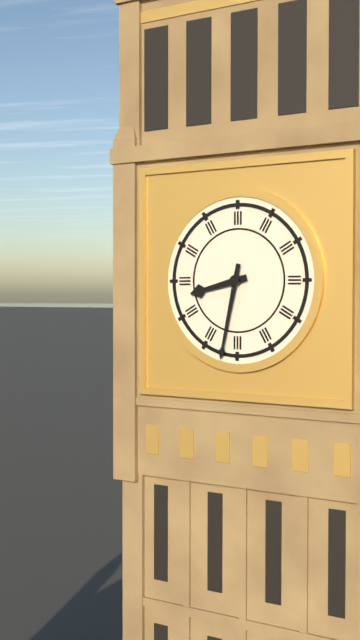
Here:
8 h 32 min
